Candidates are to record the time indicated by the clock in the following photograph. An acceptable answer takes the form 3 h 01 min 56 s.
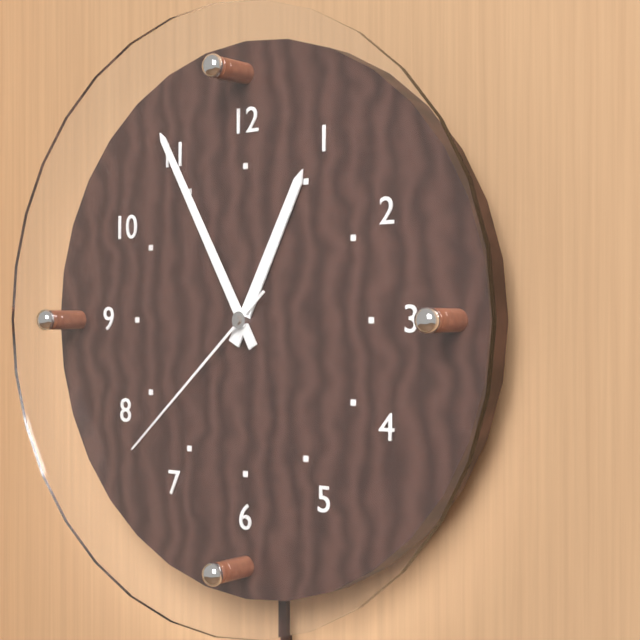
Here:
12 h 55 min 38 s
